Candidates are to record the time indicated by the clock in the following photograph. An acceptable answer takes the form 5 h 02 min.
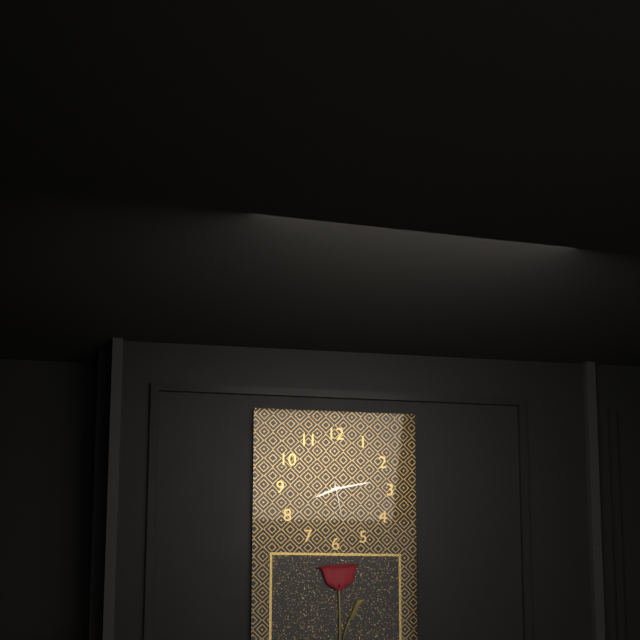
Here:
8 h 13 min
